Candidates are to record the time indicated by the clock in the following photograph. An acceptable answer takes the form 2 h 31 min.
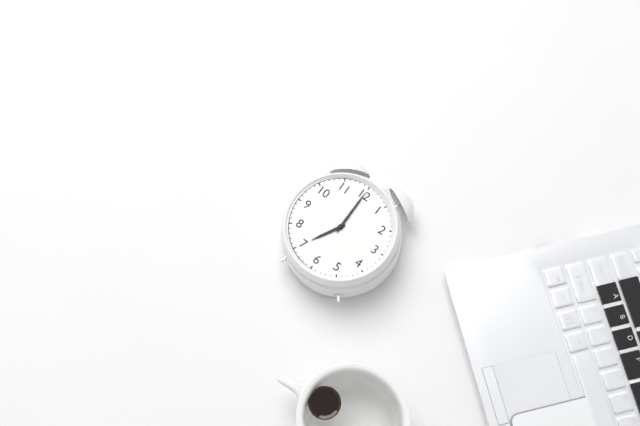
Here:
7 h 00 min
